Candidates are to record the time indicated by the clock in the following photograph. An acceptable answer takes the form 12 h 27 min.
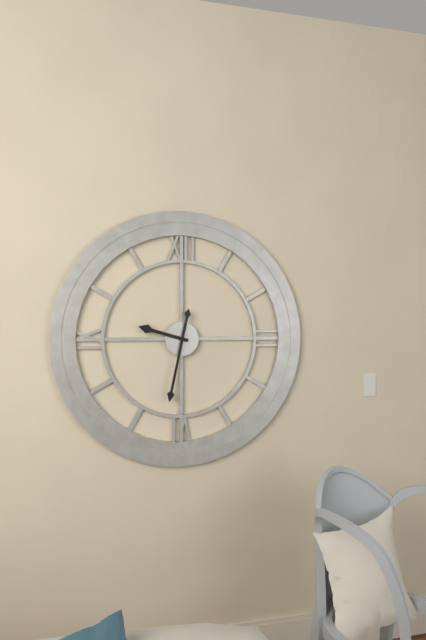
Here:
9 h 32 min
